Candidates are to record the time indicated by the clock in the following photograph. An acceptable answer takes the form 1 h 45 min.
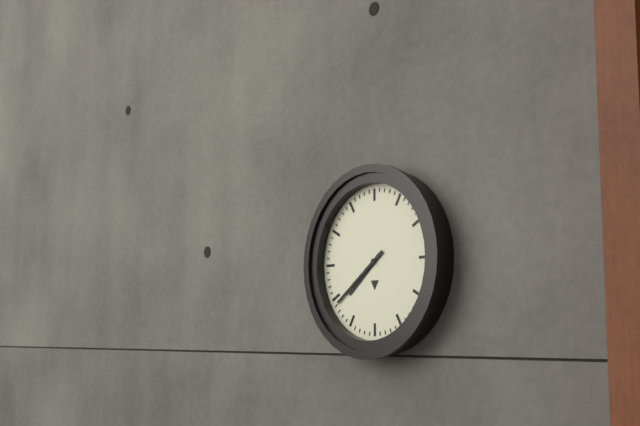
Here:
7 h 39 min
